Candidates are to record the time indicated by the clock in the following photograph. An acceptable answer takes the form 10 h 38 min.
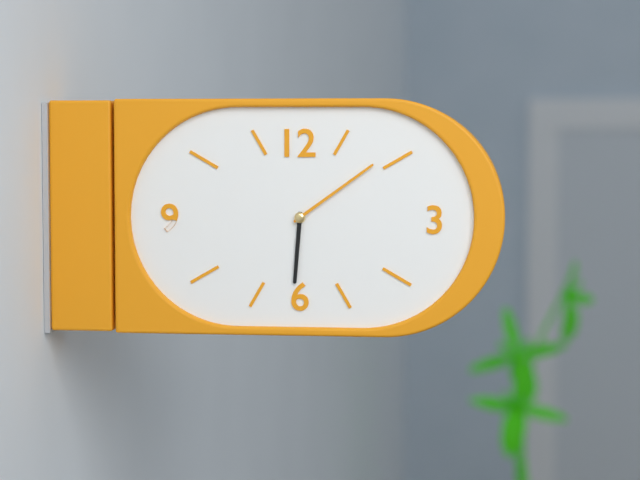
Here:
6 h 09 min
